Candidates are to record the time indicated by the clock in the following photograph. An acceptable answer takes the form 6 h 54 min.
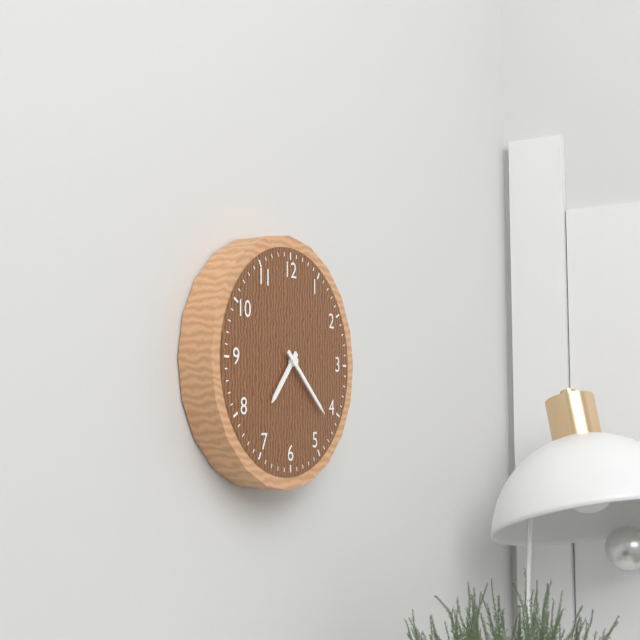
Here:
7 h 22 min
